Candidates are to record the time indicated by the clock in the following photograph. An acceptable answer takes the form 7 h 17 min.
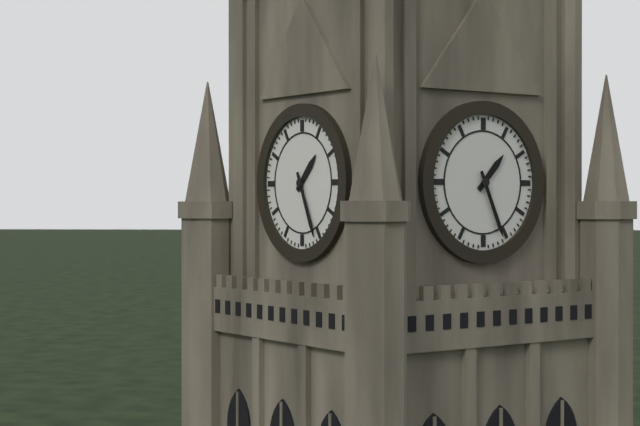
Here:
1 h 26 min
